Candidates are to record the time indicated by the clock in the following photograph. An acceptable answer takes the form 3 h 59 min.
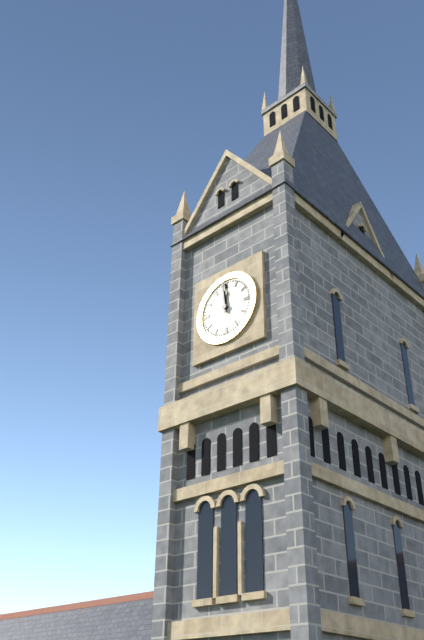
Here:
11 h 59 min
